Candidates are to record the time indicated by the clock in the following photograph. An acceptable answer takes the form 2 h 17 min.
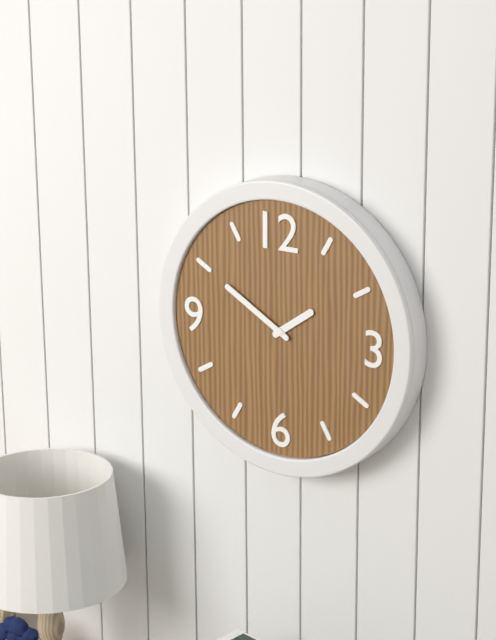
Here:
1 h 50 min
